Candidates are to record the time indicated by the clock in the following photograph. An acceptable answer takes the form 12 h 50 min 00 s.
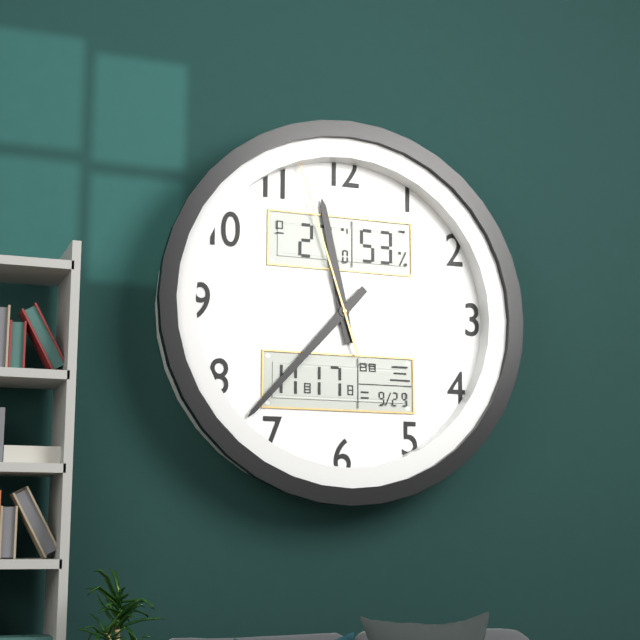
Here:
11 h 37 min 57 s
